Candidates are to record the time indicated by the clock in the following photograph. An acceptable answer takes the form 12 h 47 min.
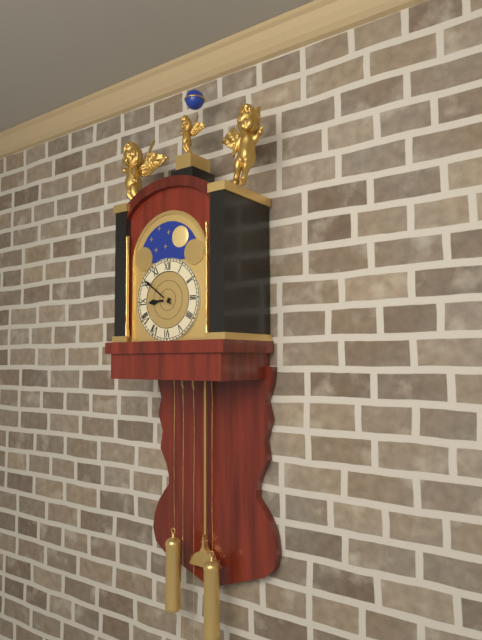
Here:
8 h 51 min
